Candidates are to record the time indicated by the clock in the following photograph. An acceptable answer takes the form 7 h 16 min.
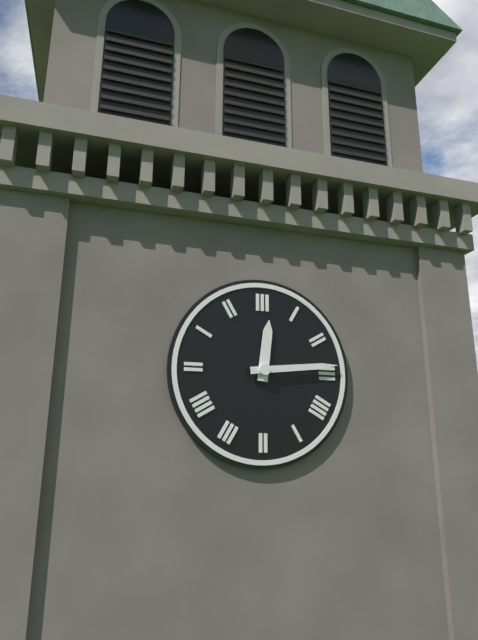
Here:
12 h 14 min
